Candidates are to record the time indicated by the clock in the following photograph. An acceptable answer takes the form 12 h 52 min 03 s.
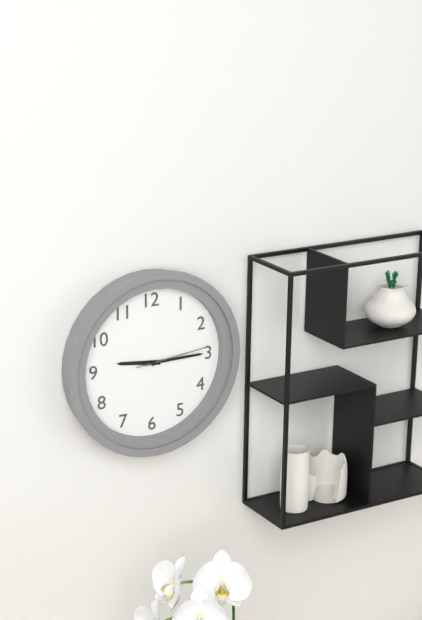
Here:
9 h 15 min 14 s
